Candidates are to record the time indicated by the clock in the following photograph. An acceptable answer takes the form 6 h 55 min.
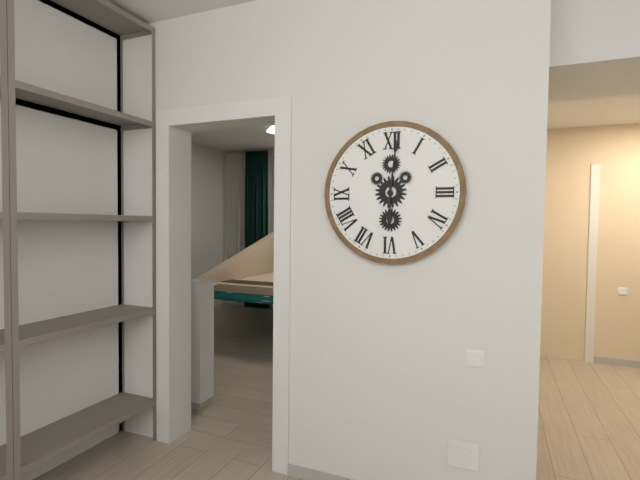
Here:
6 h 01 min
